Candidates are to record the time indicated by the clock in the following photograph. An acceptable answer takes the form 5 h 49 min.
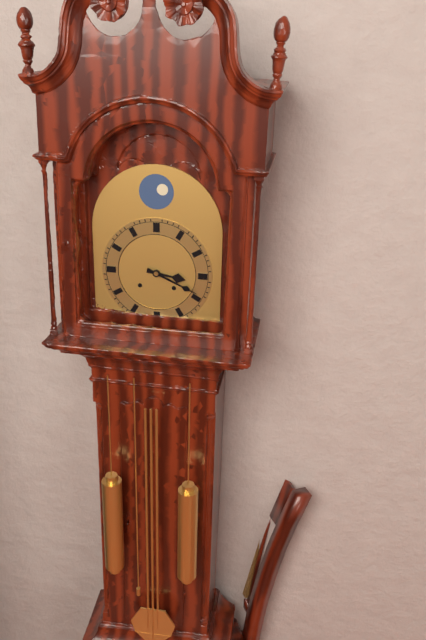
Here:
3 h 19 min
